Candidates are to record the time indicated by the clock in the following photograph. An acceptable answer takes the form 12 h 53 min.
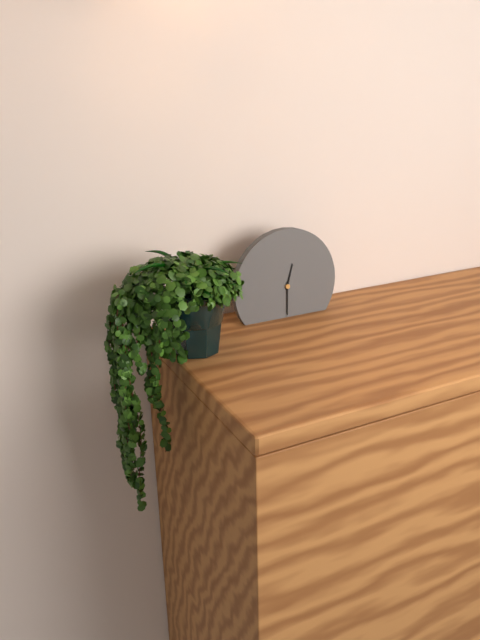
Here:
12 h 30 min
